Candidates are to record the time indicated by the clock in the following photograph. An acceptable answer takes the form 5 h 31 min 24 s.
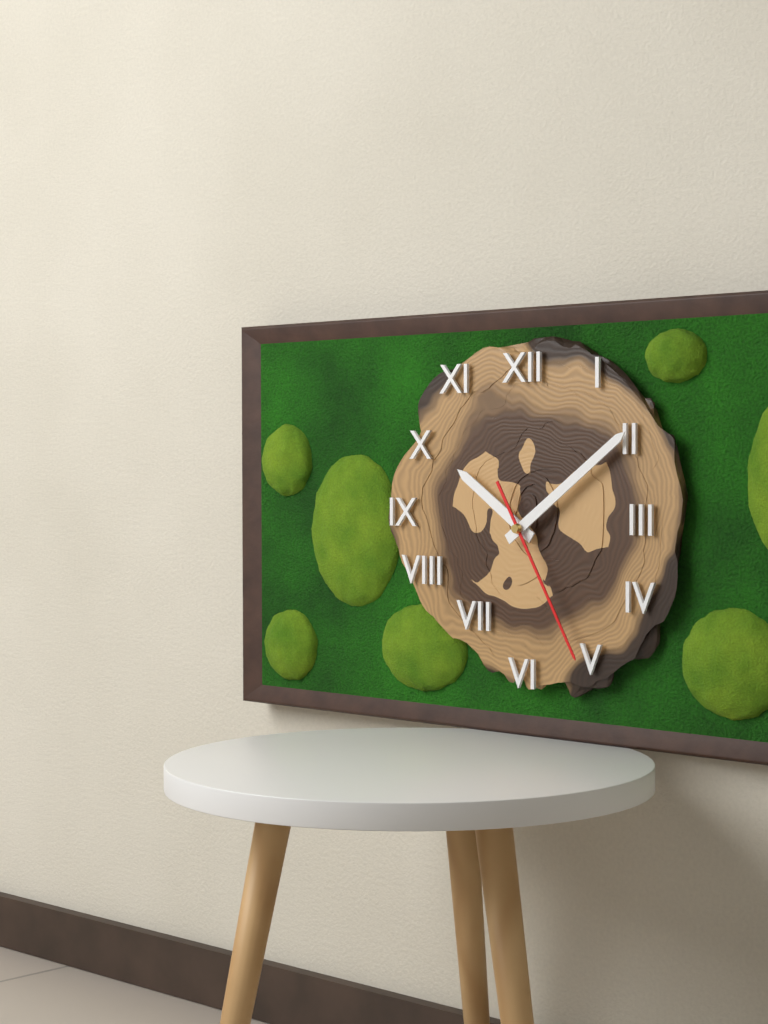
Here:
10 h 09 min 25 s
